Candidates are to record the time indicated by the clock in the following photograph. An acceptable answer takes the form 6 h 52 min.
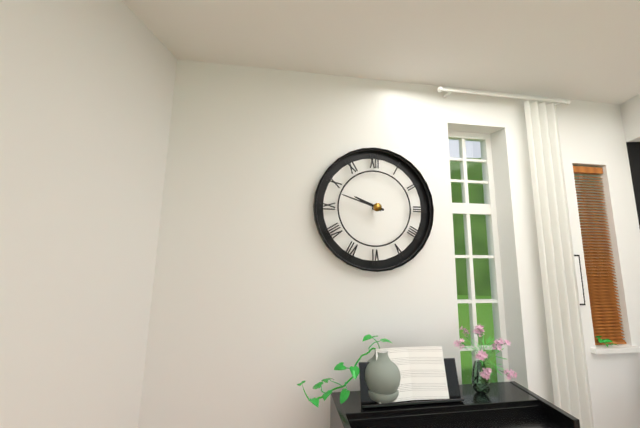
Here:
9 h 48 min
